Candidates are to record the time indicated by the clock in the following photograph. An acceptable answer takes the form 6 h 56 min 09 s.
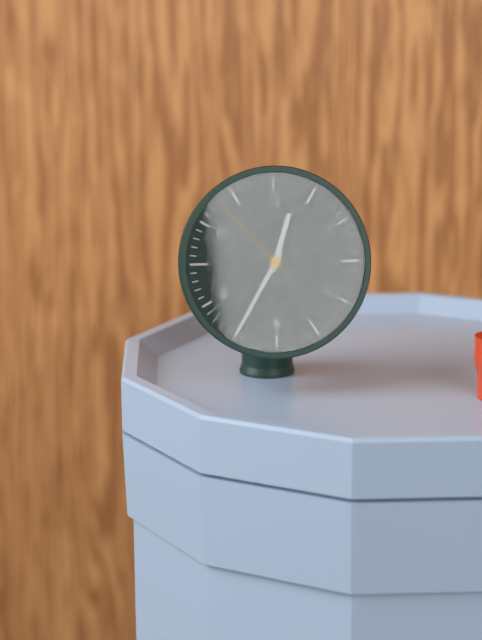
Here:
12 h 35 min 53 s
